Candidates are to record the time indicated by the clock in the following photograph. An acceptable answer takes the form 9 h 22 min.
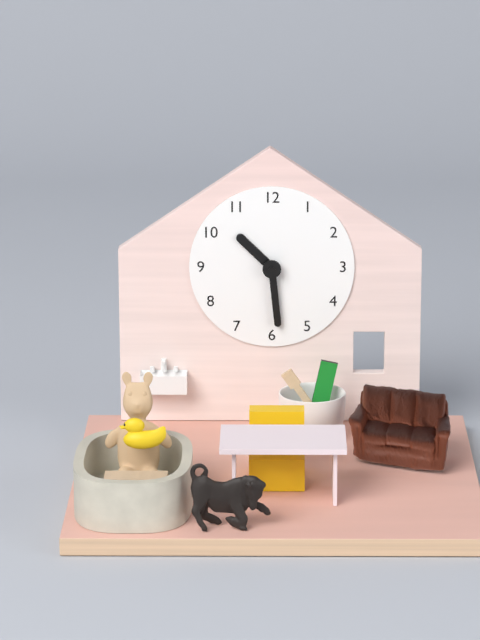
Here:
10 h 29 min
